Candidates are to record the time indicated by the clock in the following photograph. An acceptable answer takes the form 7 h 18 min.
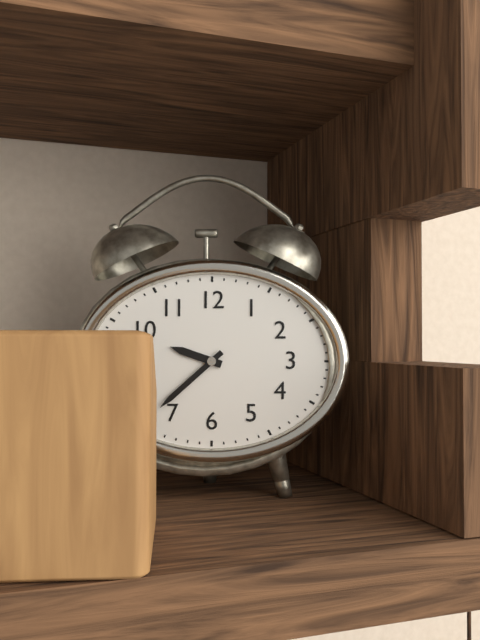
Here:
9 h 38 min
